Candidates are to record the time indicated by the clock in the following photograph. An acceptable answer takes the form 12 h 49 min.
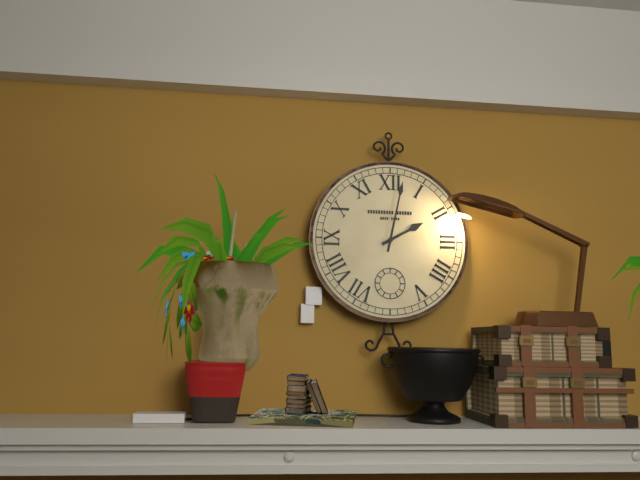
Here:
2 h 02 min
